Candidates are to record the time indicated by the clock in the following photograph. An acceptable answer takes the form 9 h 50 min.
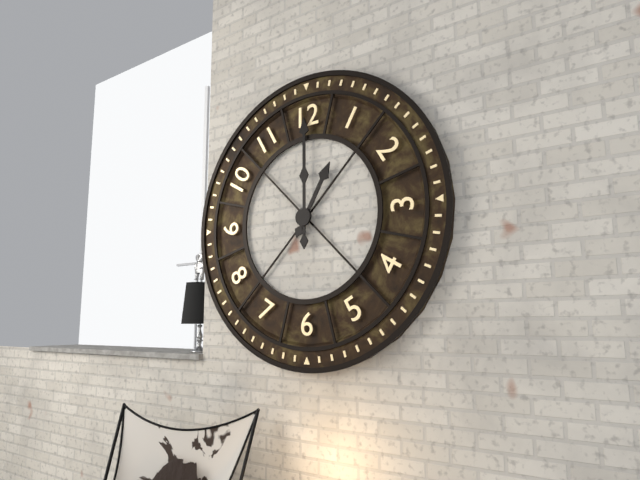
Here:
1 h 00 min
